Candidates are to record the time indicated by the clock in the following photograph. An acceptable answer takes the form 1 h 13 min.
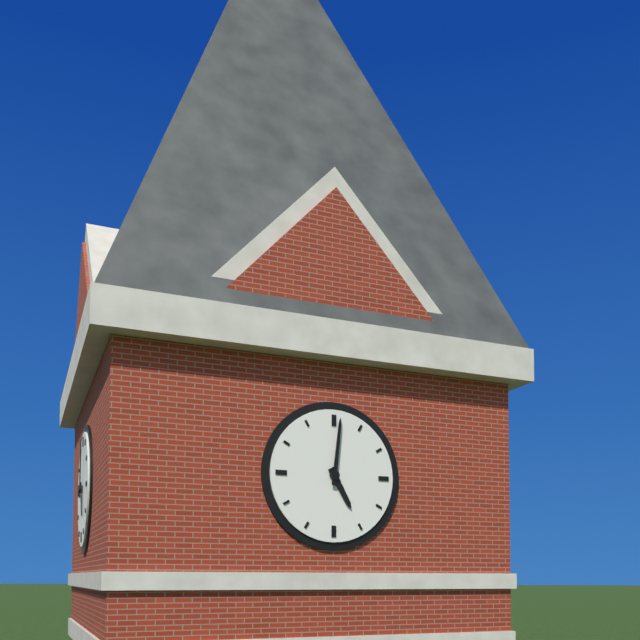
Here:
5 h 01 min
